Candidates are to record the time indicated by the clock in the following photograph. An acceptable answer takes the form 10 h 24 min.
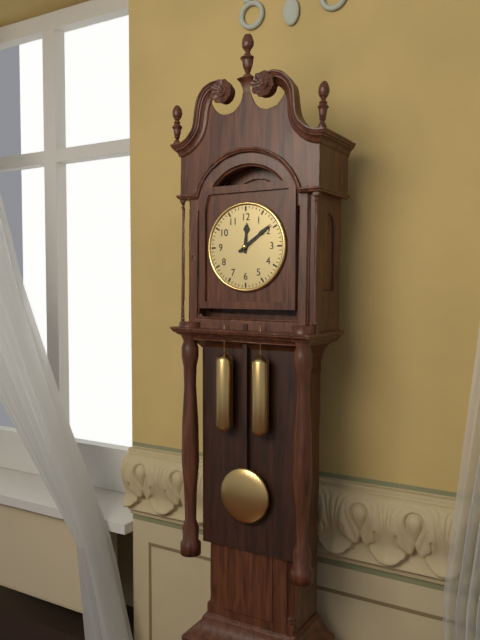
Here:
12 h 09 min
